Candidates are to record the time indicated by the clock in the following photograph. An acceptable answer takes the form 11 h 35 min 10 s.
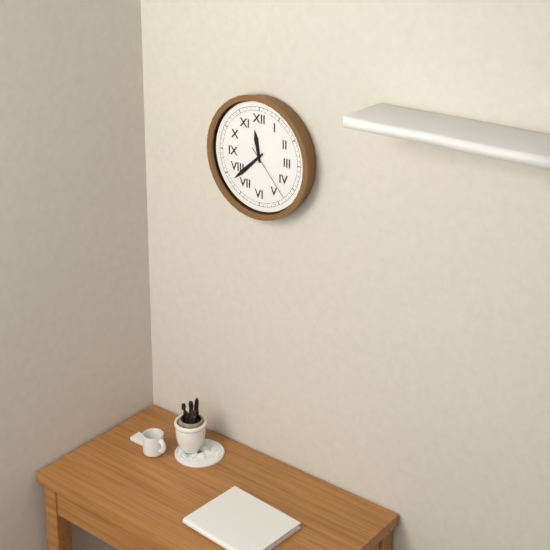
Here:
11 h 38 min 23 s
